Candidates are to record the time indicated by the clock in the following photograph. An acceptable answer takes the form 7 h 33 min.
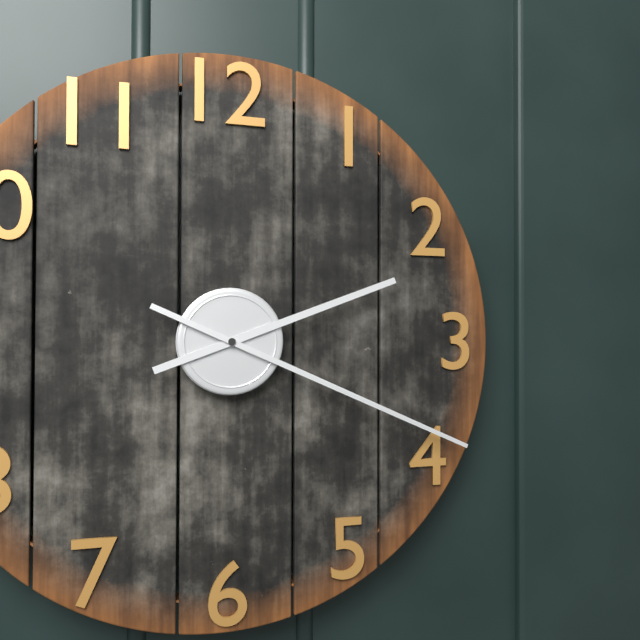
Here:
2 h 19 min
